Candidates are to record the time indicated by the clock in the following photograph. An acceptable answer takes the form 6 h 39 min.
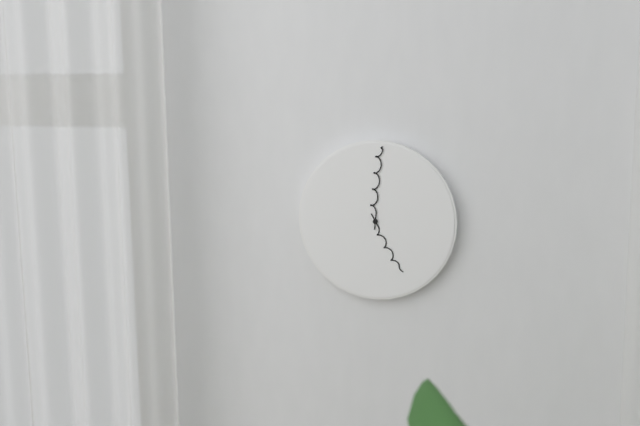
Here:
5 h 01 min
